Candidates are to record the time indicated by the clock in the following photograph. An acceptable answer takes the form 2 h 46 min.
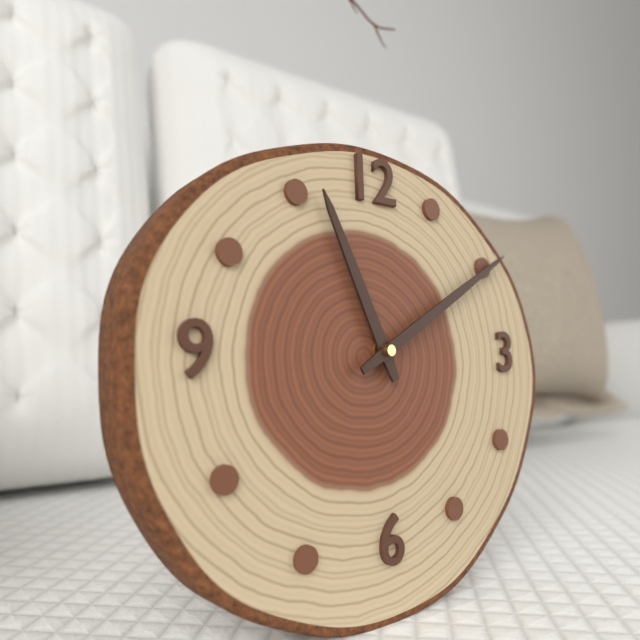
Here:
11 h 10 min
